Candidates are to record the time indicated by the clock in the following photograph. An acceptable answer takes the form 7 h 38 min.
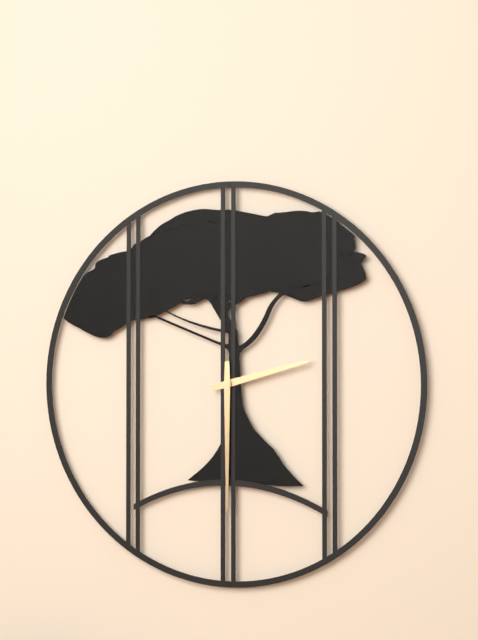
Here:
2 h 30 min
